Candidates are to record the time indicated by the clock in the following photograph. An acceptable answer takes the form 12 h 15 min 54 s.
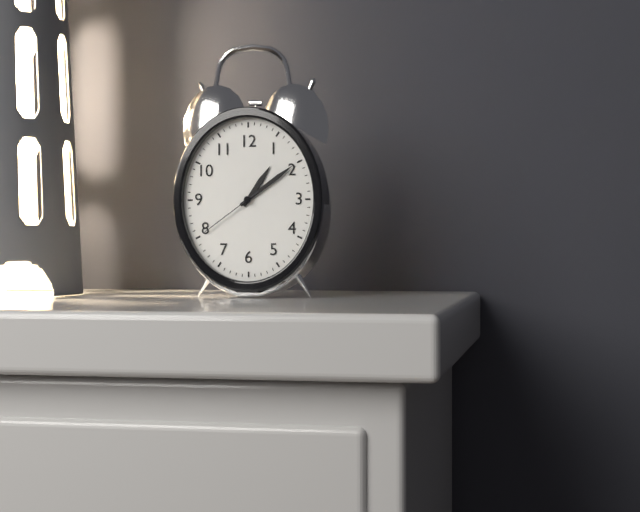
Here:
1 h 09 min 39 s
